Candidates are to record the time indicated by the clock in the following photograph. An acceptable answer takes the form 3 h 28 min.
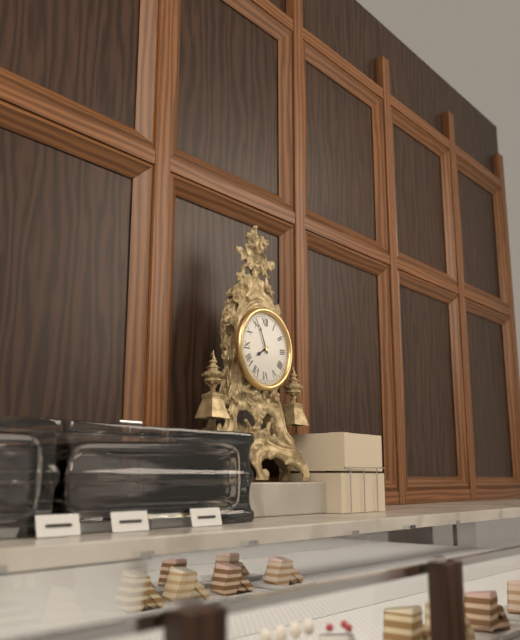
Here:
7 h 56 min
